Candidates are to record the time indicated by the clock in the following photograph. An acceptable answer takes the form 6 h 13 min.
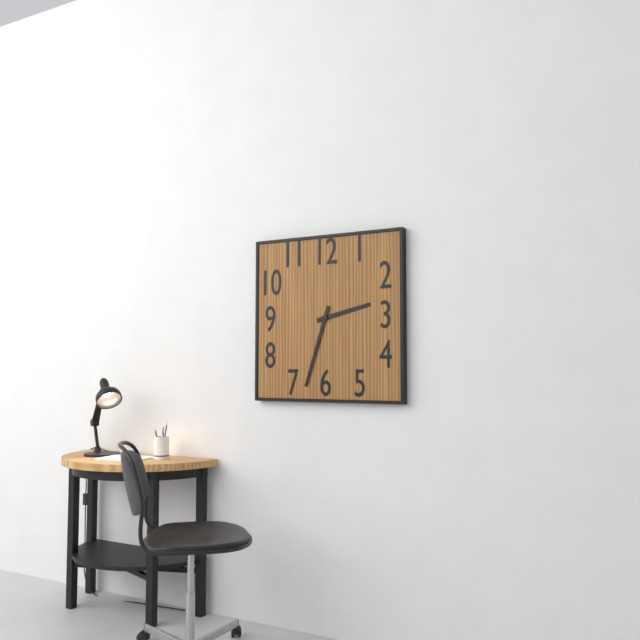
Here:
2 h 33 min
